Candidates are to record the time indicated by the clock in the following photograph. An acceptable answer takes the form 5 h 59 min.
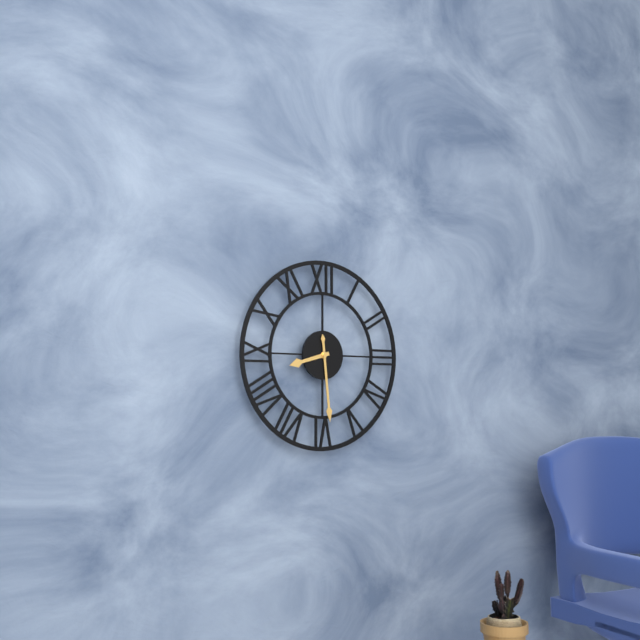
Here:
8 h 29 min
